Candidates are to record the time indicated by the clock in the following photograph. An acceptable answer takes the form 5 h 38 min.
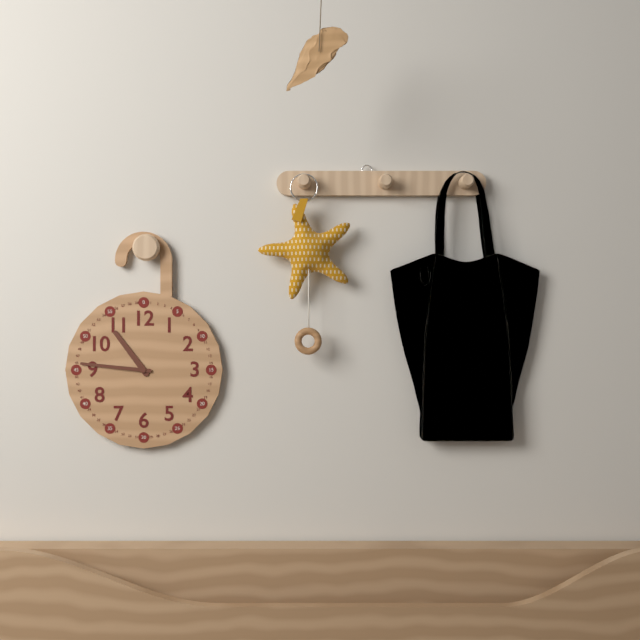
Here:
10 h 46 min
